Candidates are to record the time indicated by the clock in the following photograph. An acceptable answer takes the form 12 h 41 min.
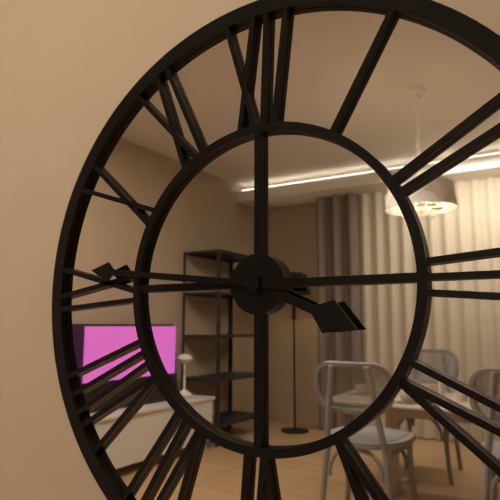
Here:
3 h 46 min
